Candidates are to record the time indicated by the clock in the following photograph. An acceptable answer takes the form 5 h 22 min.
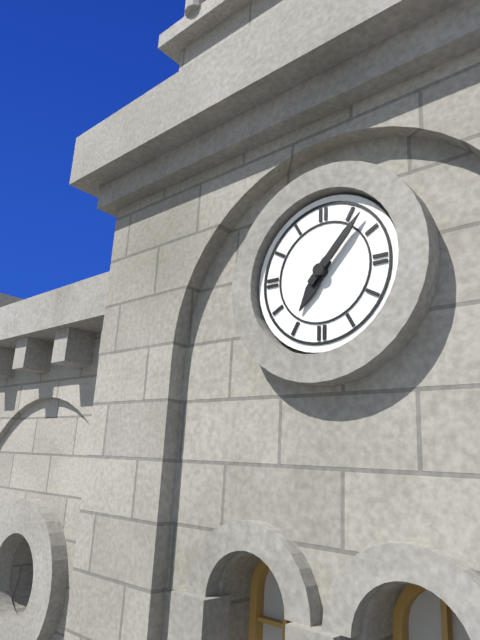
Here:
7 h 07 min
